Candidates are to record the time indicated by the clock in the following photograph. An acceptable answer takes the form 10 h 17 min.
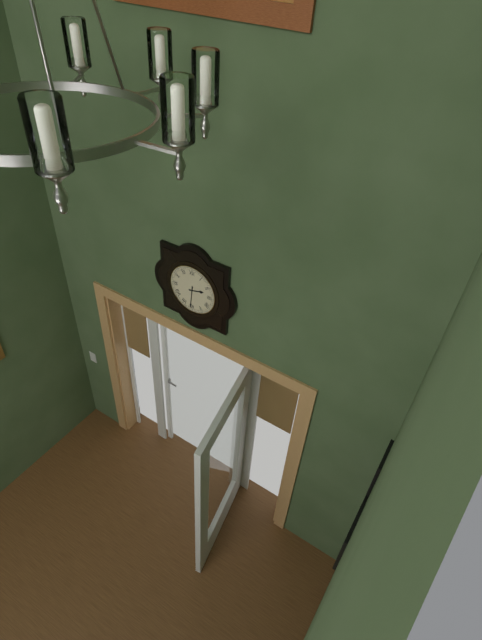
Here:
2 h 31 min
